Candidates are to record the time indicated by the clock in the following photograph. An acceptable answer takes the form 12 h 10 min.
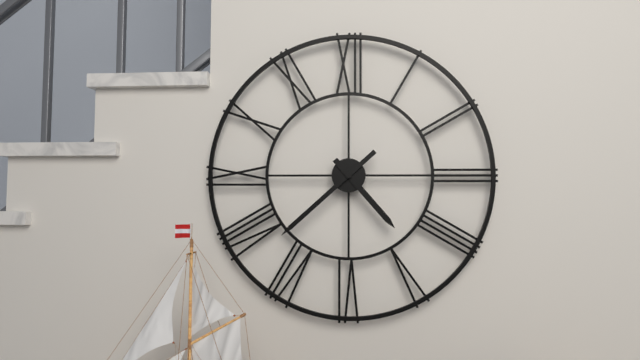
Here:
4 h 38 min
